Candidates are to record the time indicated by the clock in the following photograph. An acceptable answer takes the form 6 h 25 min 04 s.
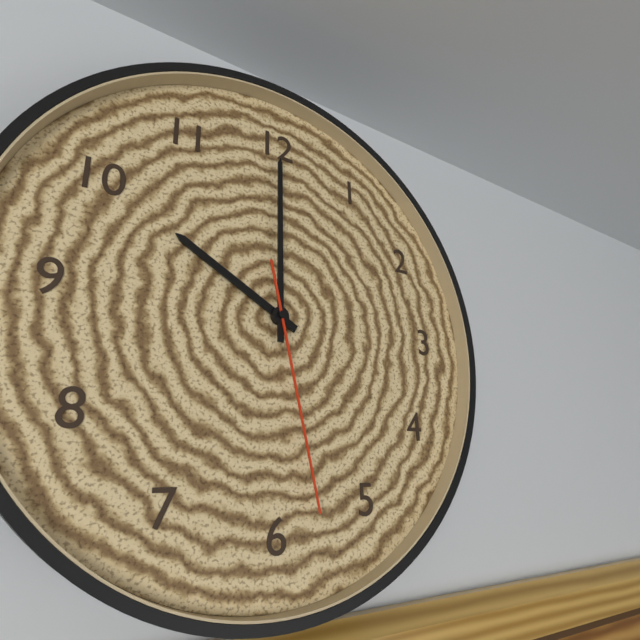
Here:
10 h 00 min 28 s
